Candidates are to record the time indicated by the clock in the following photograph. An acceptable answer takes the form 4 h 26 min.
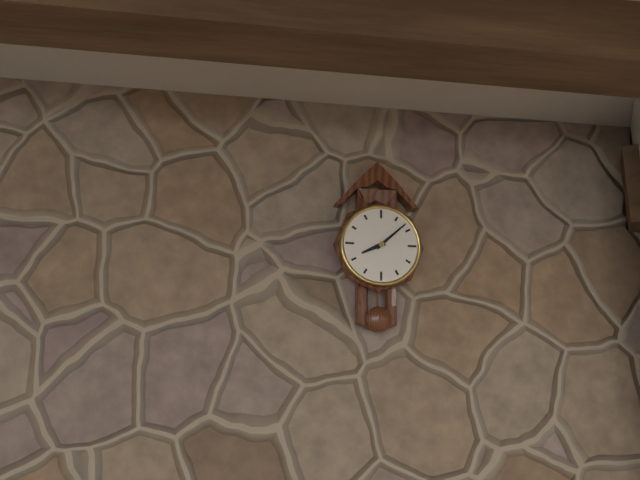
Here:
8 h 08 min
